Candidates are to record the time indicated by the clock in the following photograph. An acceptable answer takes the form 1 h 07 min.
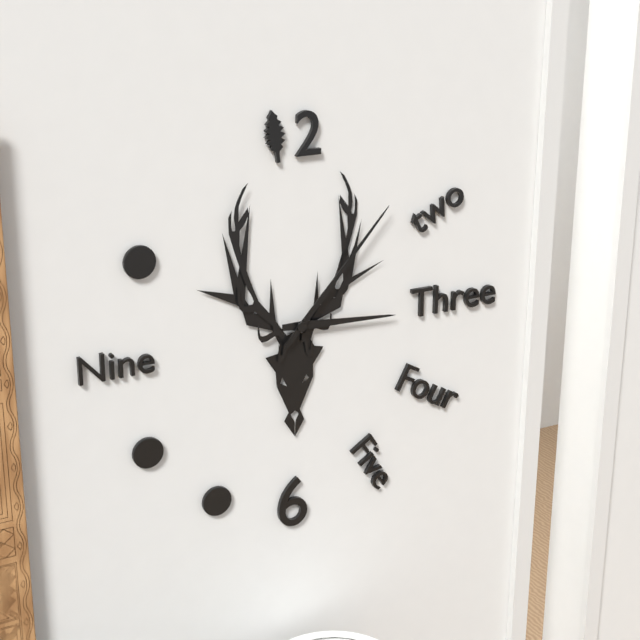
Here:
3 h 07 min
